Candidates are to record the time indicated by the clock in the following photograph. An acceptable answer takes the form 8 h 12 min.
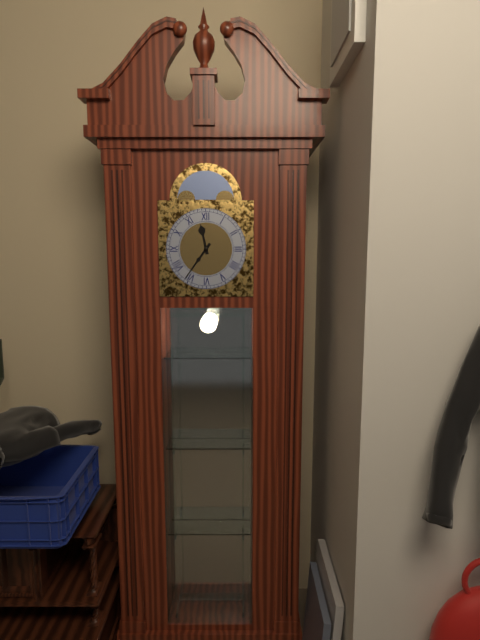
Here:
11 h 36 min
